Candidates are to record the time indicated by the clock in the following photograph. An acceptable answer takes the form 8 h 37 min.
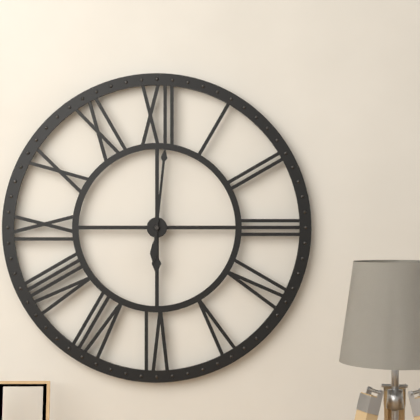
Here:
6 h 01 min
